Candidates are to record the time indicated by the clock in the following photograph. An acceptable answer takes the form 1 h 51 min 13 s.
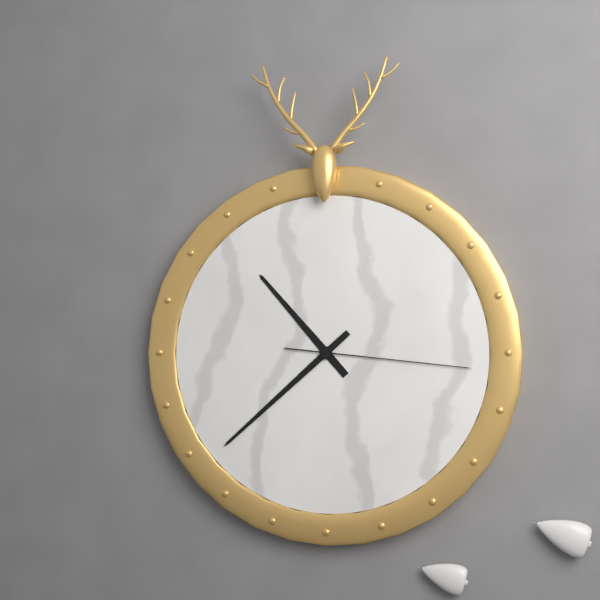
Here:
10 h 38 min 16 s
